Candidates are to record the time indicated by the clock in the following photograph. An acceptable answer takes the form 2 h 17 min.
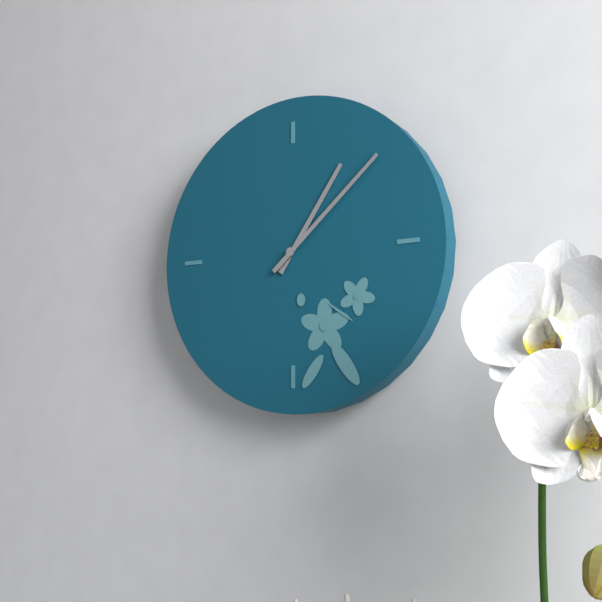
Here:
1 h 08 min
